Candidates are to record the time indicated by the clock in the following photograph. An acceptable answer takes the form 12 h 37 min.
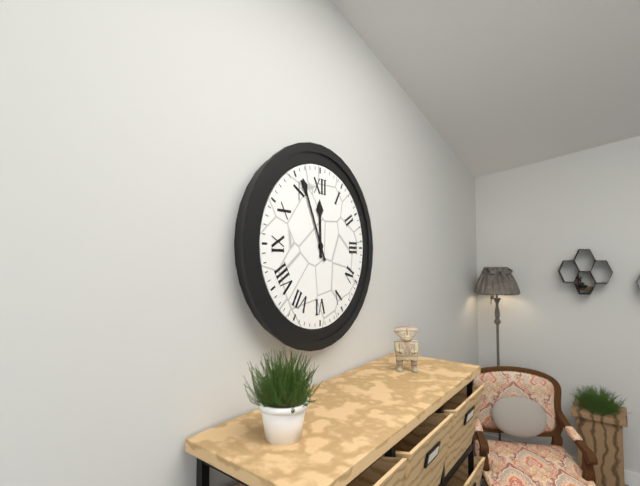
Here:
11 h 56 min
